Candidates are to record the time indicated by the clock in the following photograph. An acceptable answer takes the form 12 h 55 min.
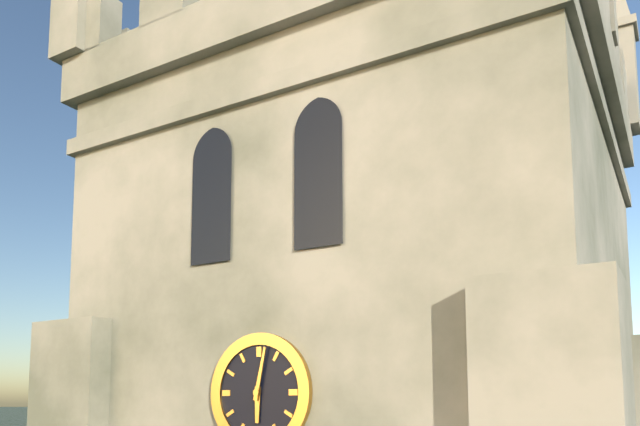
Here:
6 h 02 min
